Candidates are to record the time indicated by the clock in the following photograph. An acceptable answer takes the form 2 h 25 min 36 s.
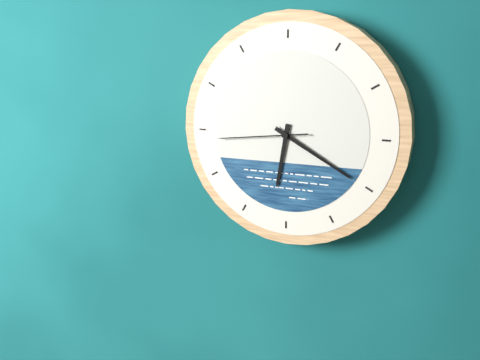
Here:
6 h 20 min 44 s
